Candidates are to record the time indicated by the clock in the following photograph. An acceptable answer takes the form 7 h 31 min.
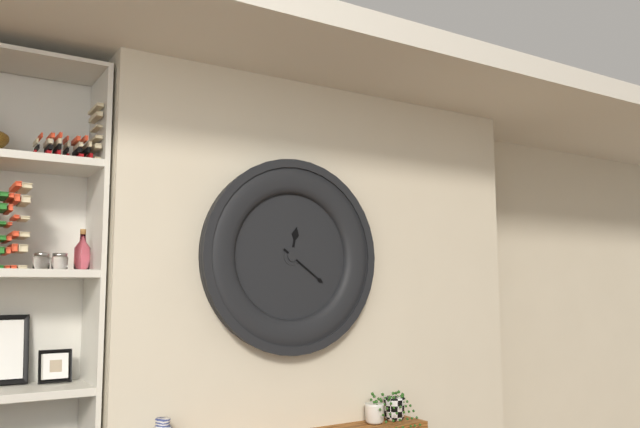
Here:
12 h 21 min
